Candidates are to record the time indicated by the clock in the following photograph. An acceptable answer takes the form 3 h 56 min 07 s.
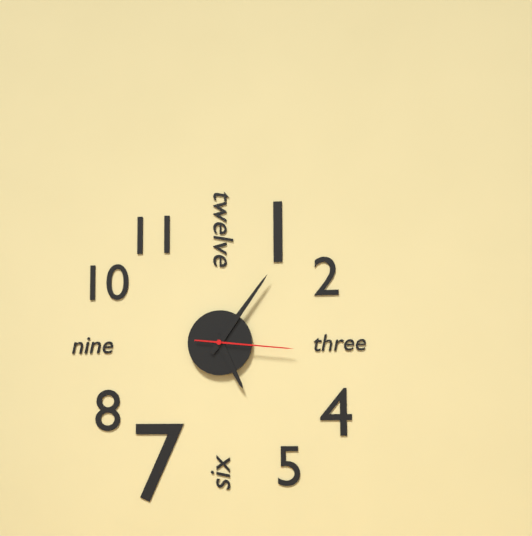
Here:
5 h 06 min 16 s
